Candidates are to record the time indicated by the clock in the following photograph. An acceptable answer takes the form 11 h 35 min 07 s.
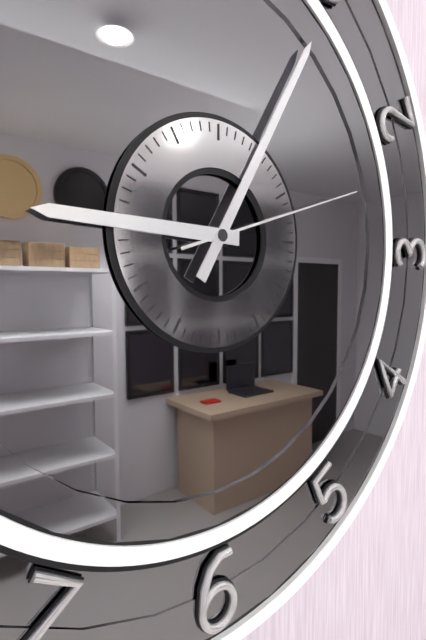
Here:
9 h 05 min 12 s
